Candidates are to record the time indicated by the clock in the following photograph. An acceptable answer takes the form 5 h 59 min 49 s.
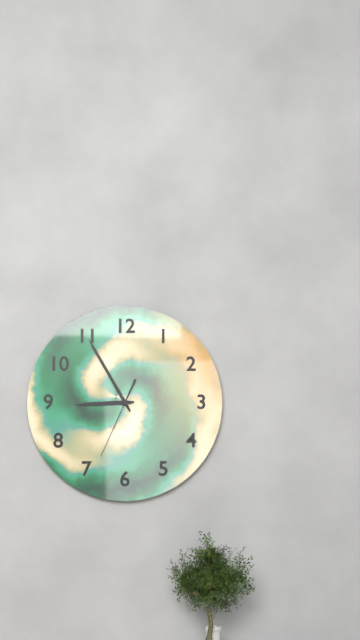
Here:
8 h 55 min 34 s
